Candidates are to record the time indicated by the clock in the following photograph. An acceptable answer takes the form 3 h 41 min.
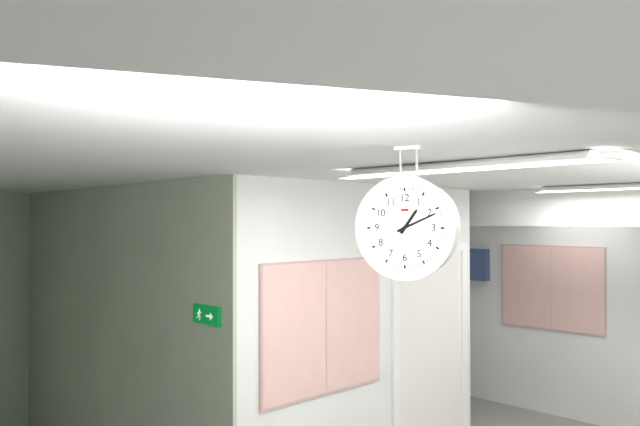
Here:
1 h 11 min
